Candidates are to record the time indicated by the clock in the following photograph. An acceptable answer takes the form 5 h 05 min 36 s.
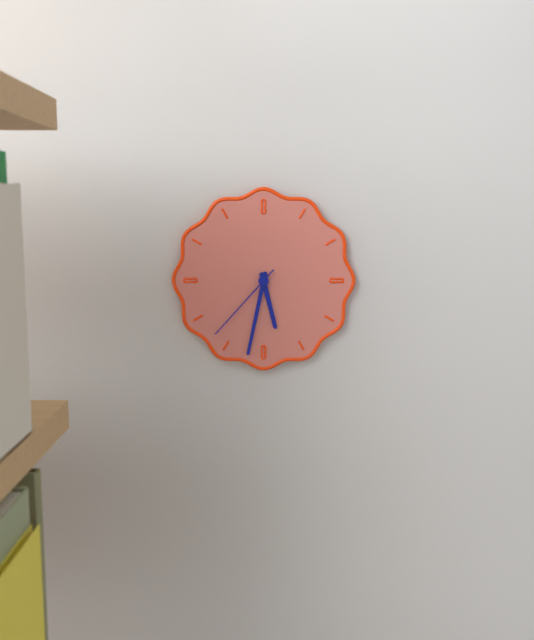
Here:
5 h 32 min 37 s
